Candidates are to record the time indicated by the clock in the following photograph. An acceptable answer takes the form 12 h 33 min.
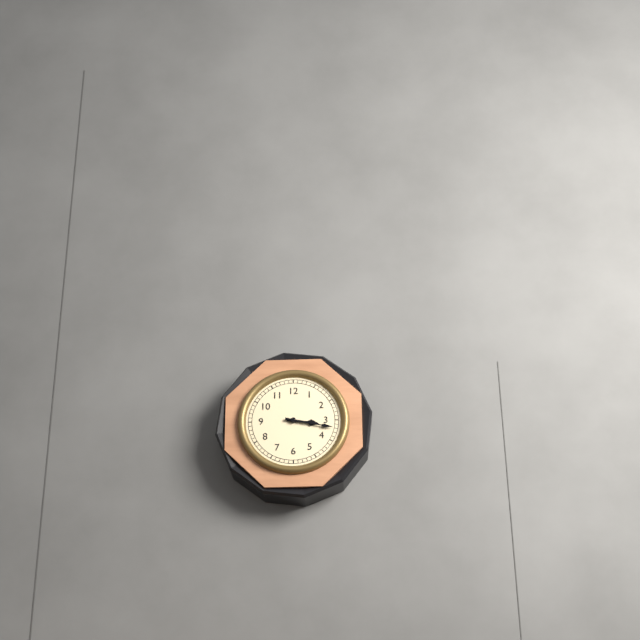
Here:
3 h 17 min
